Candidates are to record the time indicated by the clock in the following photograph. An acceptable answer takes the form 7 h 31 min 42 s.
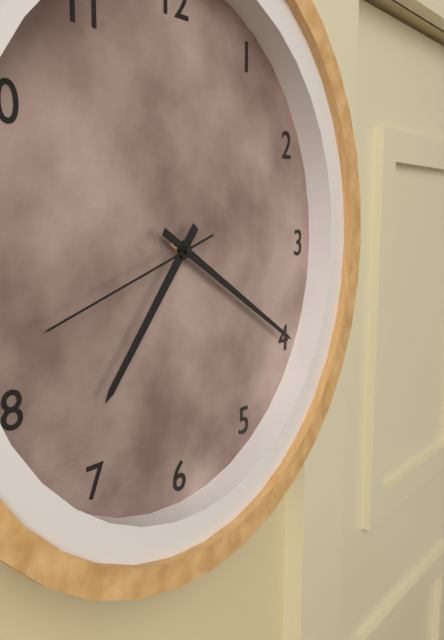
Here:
7 h 20 min 42 s
